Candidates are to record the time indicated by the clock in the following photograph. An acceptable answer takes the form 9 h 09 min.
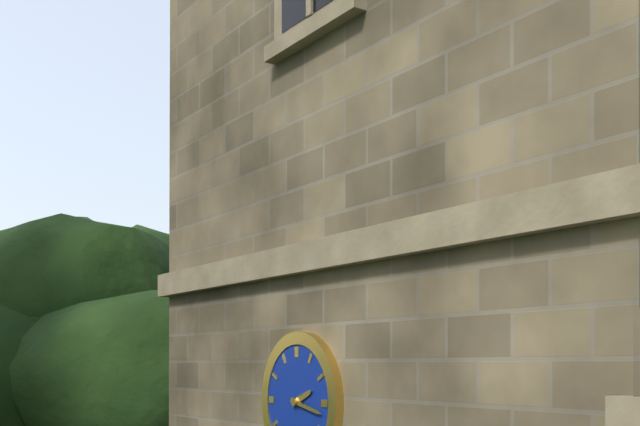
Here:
2 h 17 min
